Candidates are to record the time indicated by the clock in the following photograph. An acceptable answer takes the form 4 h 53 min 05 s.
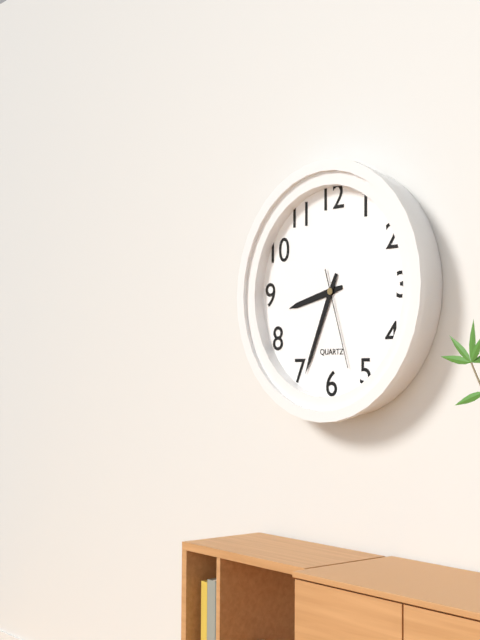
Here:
8 h 34 min 27 s
